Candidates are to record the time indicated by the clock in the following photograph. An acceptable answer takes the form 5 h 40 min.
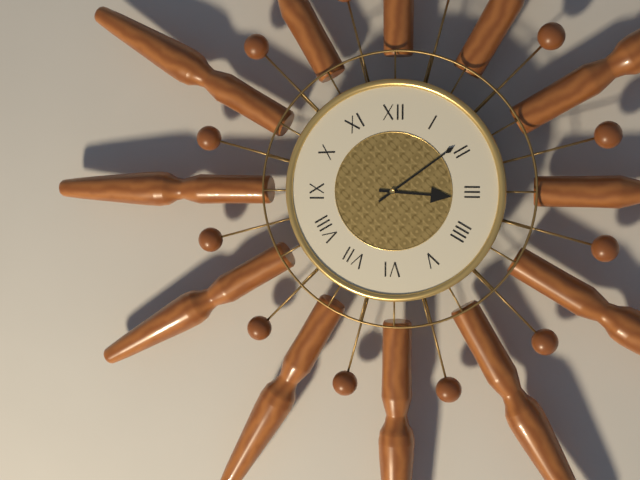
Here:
3 h 09 min
